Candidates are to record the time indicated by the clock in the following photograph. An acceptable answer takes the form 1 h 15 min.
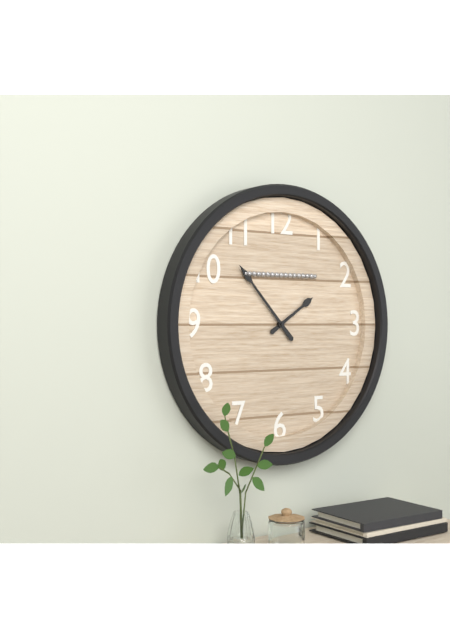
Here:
1 h 53 min
